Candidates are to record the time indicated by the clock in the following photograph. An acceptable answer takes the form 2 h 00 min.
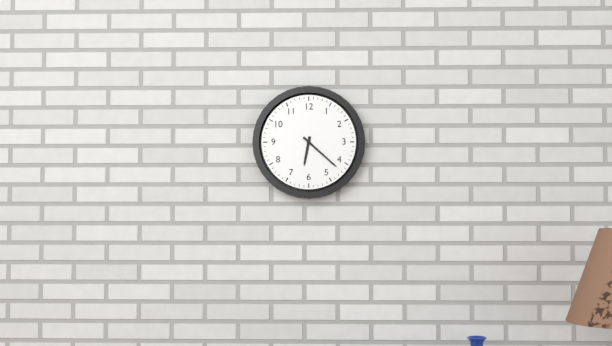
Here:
6 h 22 min
